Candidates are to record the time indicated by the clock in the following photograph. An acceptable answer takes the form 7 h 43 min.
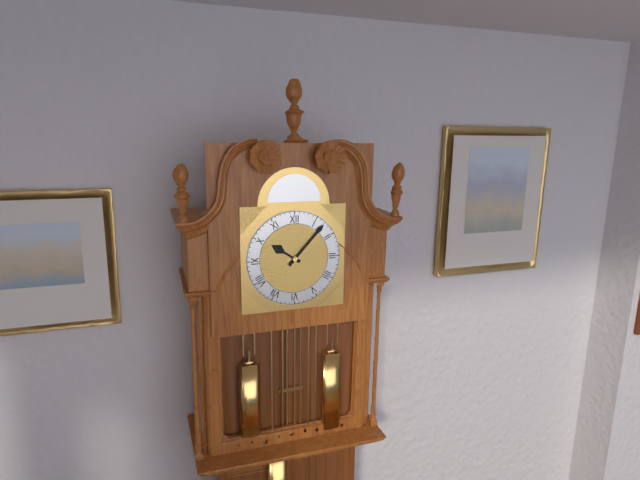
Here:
10 h 07 min
